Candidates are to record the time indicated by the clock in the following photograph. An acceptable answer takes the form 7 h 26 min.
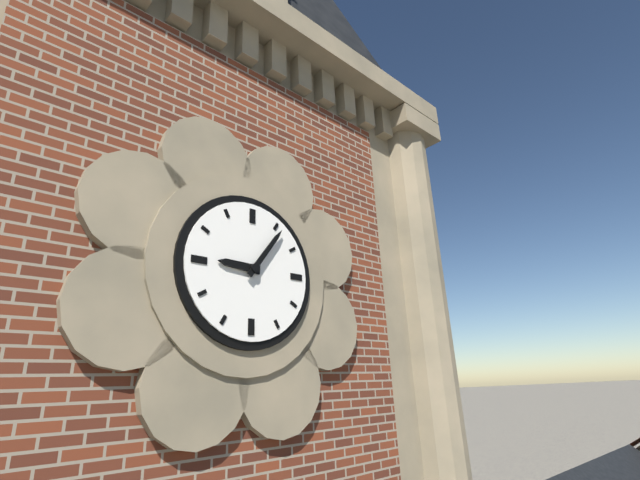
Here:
9 h 06 min
